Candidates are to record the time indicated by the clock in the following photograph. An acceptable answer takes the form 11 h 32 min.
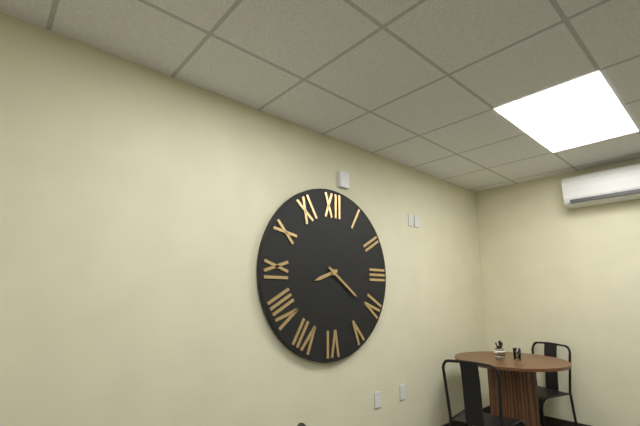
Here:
8 h 21 min
